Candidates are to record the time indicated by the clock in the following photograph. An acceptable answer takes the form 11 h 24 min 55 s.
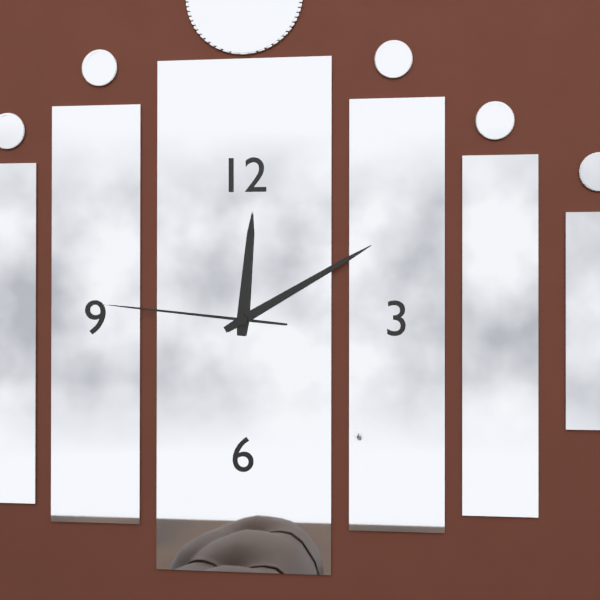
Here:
12 h 10 min 46 s
